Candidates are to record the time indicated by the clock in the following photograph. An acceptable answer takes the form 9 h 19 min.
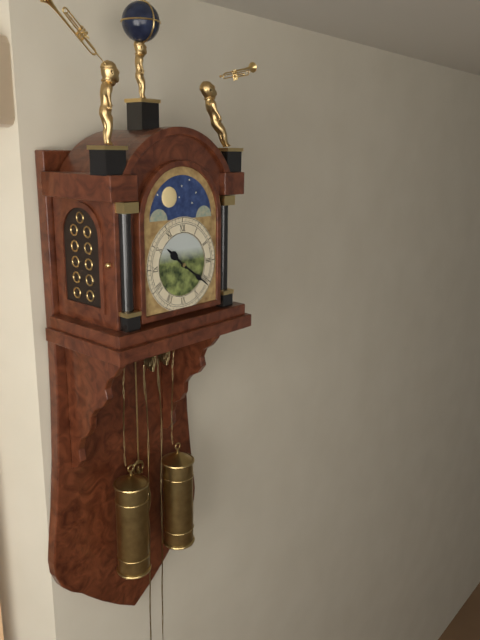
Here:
10 h 21 min
